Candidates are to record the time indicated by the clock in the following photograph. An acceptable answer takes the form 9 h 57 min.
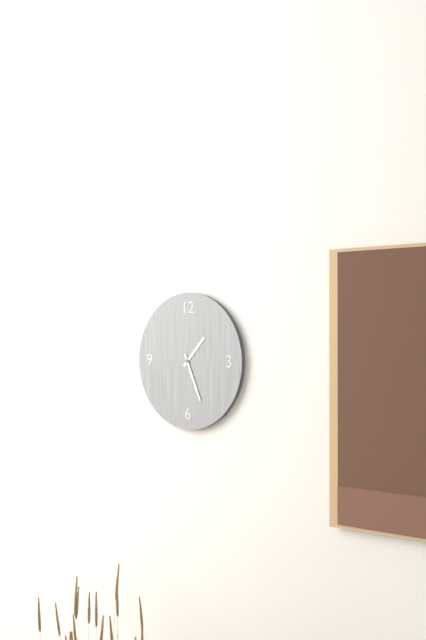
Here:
1 h 26 min
